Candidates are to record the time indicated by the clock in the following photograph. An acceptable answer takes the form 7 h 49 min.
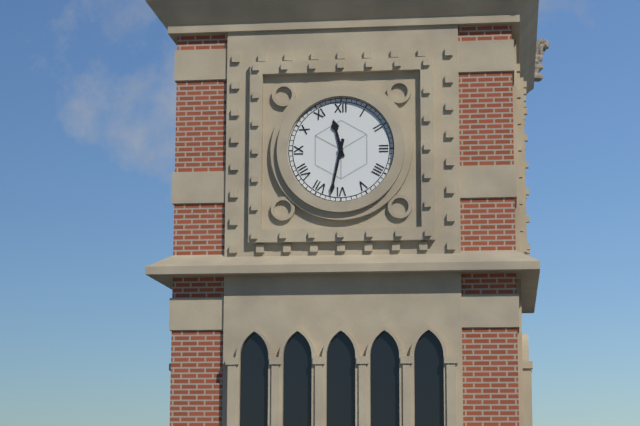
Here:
11 h 32 min
